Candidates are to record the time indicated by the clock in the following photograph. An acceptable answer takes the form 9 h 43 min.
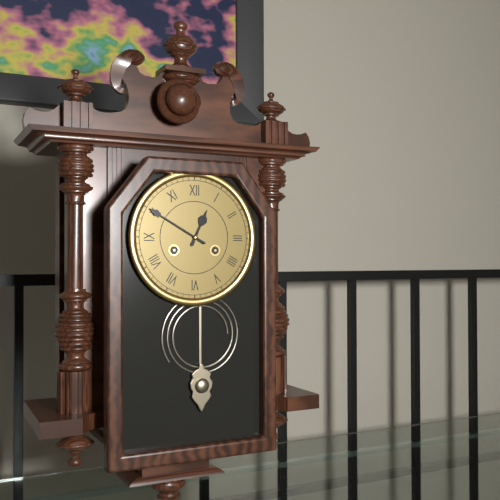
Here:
12 h 50 min
